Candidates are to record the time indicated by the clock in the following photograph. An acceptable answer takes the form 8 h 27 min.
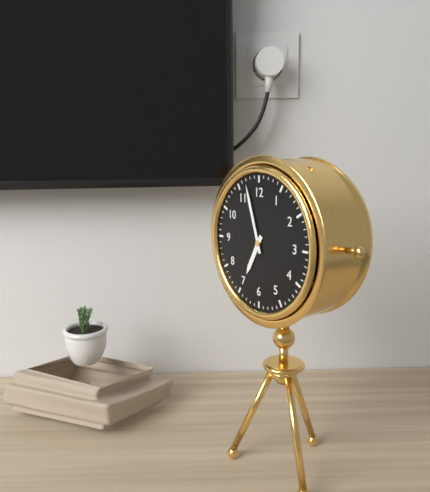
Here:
6 h 57 min
